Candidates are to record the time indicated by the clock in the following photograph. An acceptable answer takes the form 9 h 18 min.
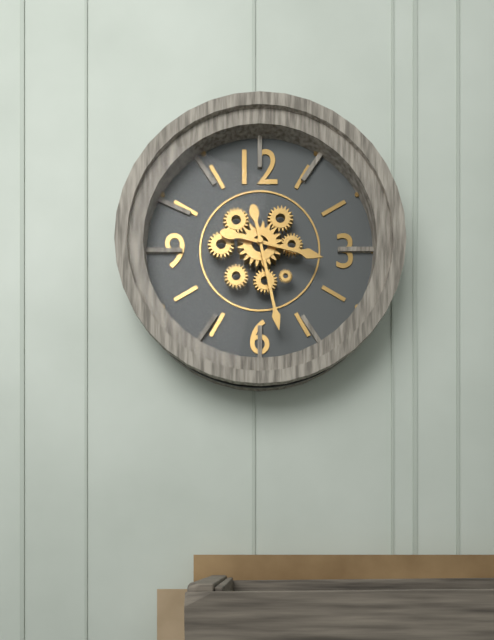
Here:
3 h 28 min
